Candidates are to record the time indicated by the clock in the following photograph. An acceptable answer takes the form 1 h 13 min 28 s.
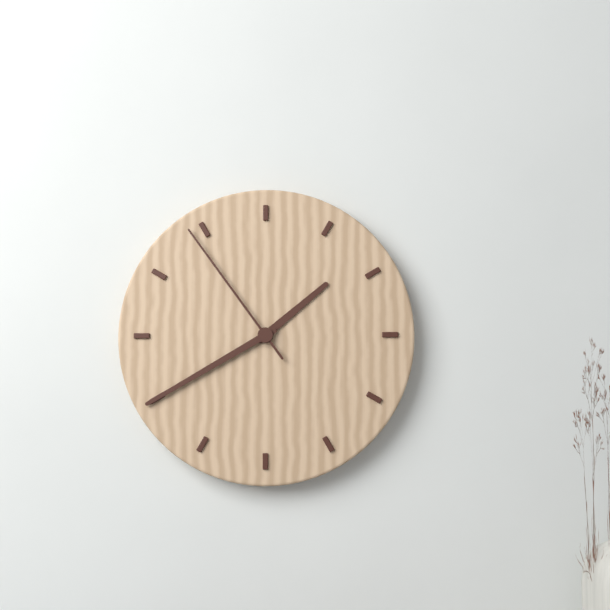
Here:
1 h 40 min 54 s
